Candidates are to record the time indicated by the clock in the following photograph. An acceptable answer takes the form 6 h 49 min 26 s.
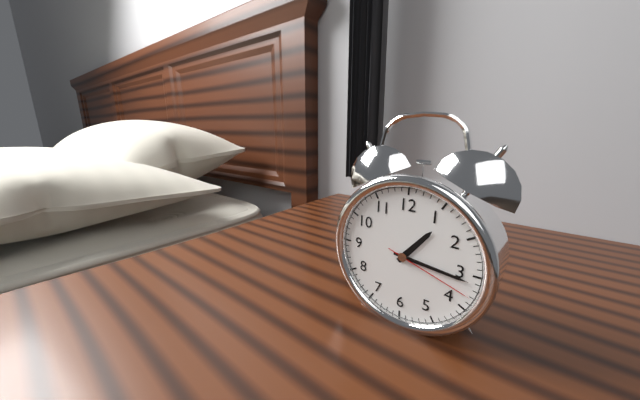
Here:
1 h 16 min 18 s
